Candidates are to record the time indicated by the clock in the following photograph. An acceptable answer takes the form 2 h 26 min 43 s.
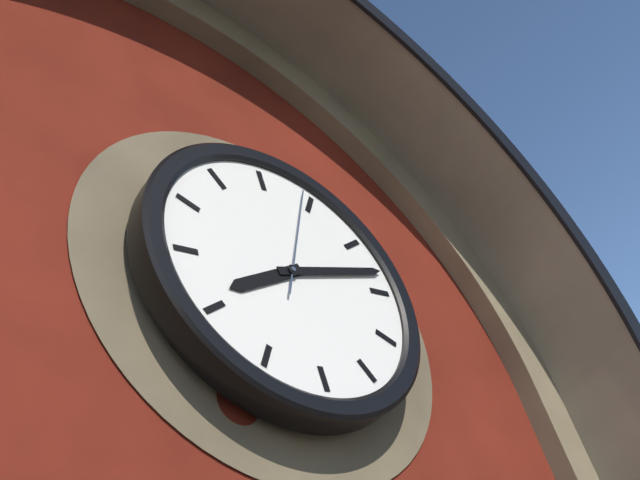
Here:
8 h 13 min 04 s
